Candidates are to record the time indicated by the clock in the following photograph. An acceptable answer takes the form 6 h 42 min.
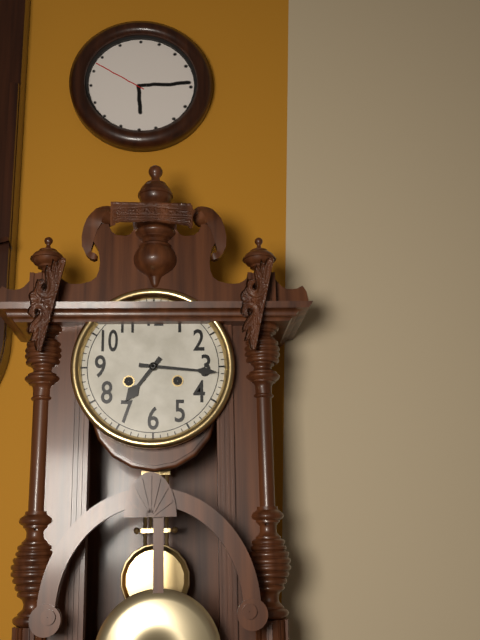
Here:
7 h 16 min
